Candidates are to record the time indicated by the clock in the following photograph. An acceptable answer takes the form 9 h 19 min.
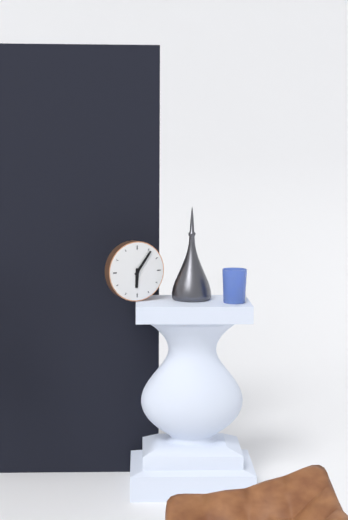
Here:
6 h 06 min
